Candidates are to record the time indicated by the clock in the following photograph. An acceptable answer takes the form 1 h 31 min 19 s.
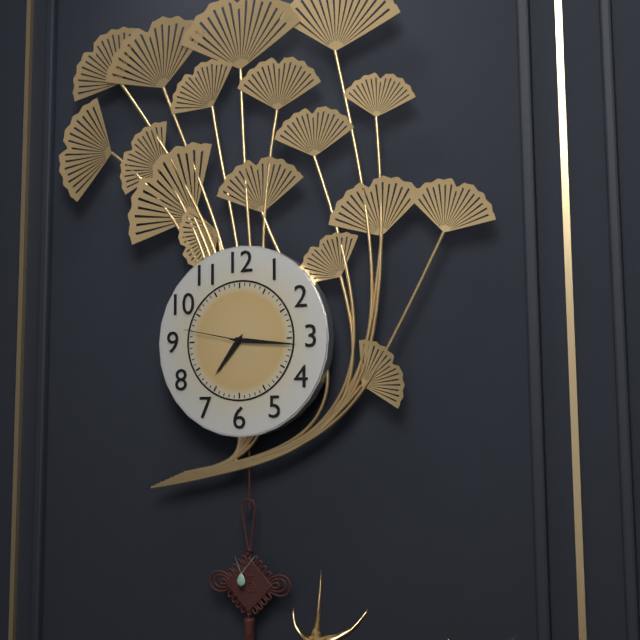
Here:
7 h 16 min 47 s
